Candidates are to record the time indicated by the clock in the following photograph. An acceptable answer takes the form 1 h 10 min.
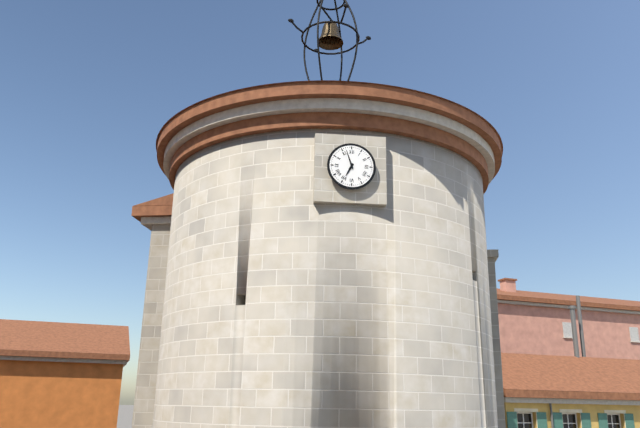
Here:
6 h 57 min
